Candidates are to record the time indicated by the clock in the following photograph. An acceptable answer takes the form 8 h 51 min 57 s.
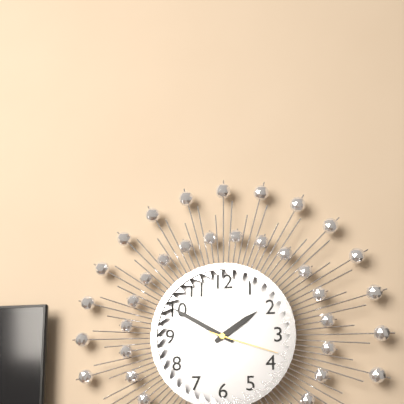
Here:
1 h 50 min 18 s
